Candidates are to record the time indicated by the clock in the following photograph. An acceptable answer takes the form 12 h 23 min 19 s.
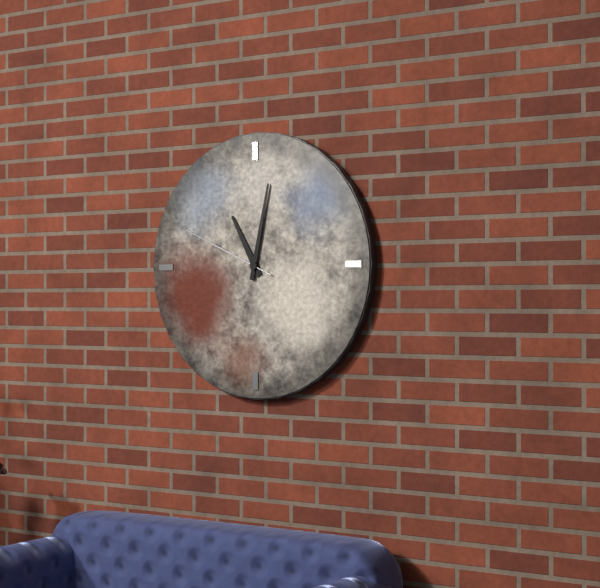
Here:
11 h 02 min 49 s
